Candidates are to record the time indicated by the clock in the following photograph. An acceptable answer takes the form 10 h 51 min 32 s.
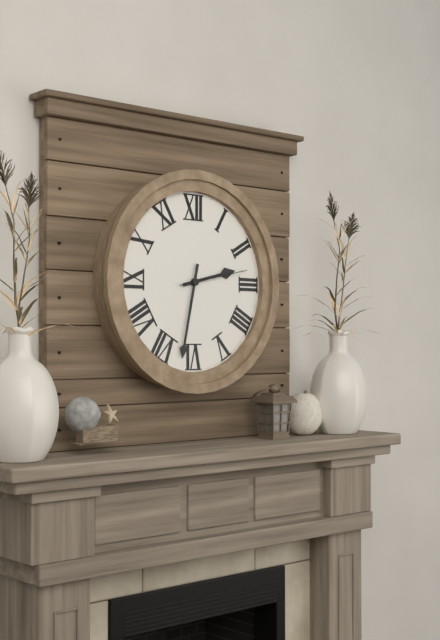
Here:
2 h 32 min 13 s
